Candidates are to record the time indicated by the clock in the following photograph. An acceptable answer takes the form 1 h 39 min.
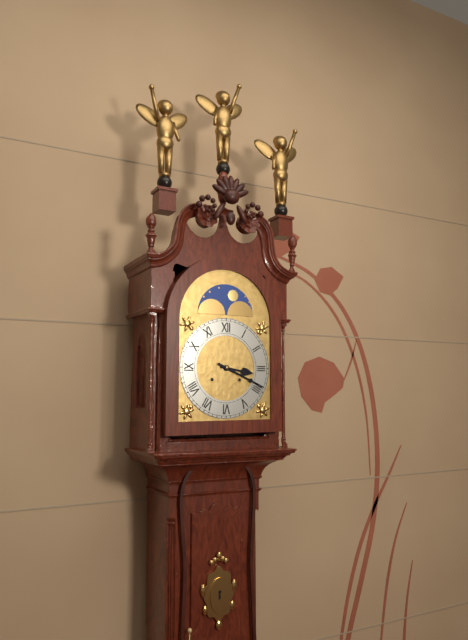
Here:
3 h 19 min
